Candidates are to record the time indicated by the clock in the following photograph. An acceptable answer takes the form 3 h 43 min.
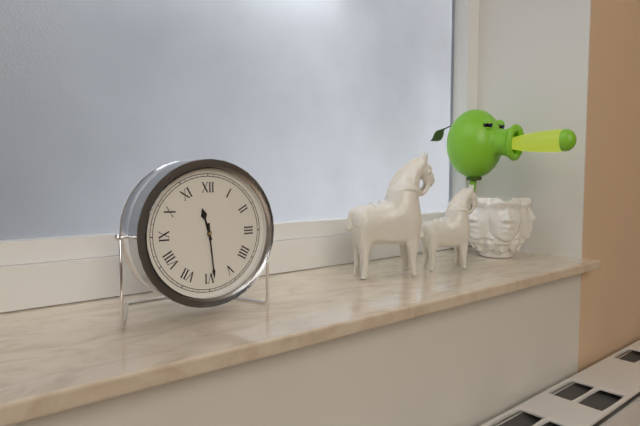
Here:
11 h 29 min
